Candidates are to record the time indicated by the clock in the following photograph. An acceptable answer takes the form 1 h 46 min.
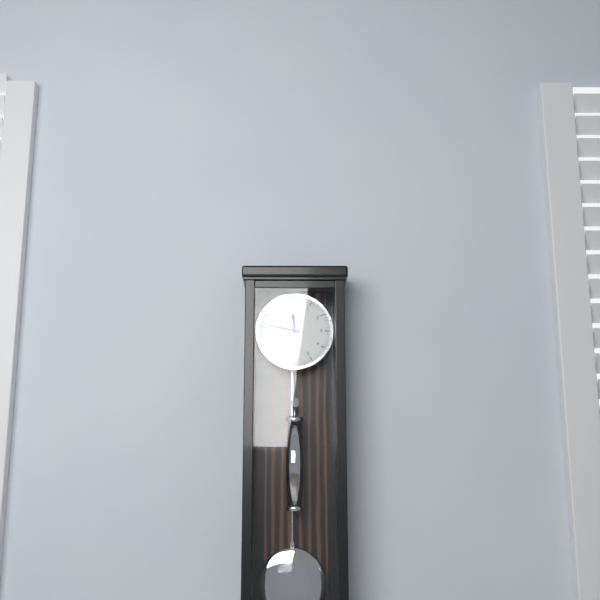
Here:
11 h 47 min
